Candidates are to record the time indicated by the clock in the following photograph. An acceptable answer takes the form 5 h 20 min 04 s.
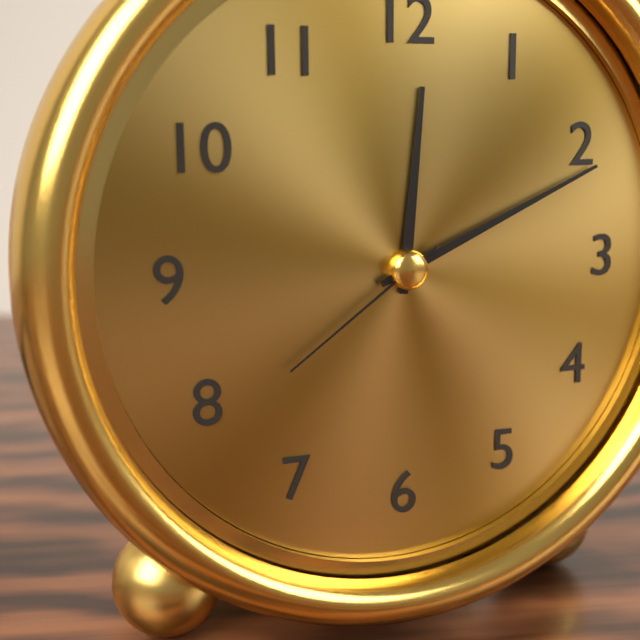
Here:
12 h 11 min 39 s
